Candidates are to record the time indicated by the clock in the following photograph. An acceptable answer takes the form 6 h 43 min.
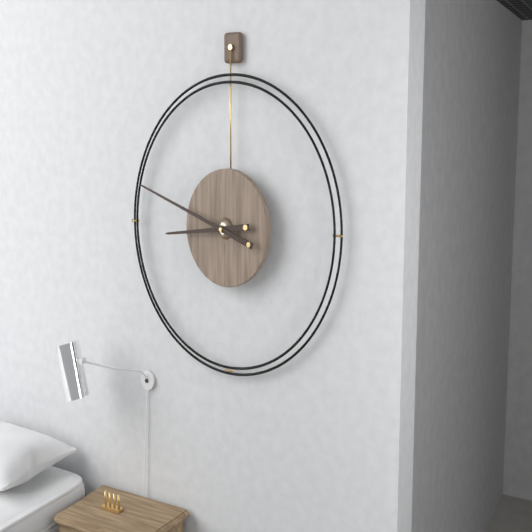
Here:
8 h 48 min
